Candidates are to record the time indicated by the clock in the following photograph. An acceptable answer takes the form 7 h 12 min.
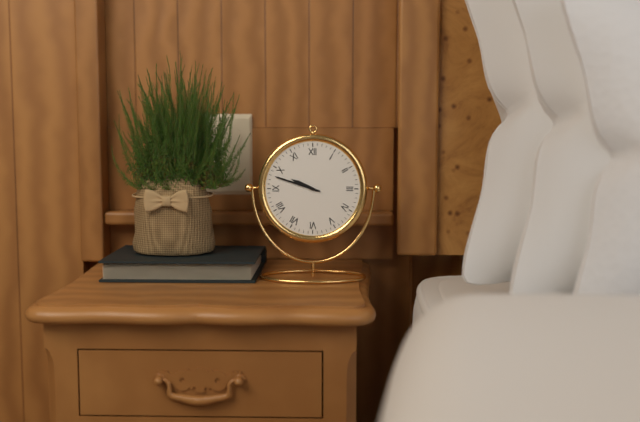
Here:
9 h 48 min
